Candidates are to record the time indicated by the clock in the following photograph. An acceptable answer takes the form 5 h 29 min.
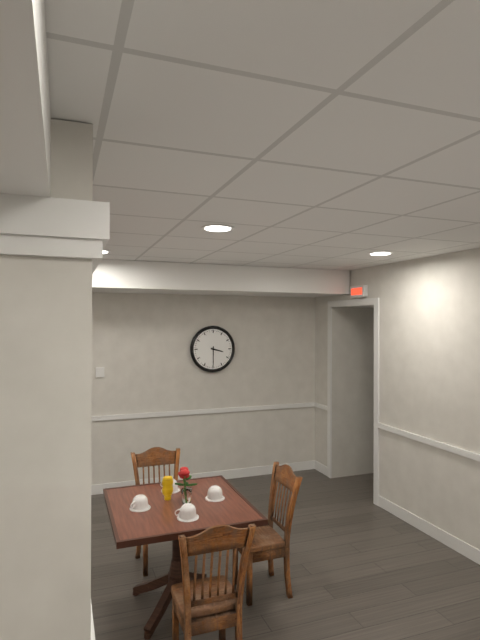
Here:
3 h 30 min
